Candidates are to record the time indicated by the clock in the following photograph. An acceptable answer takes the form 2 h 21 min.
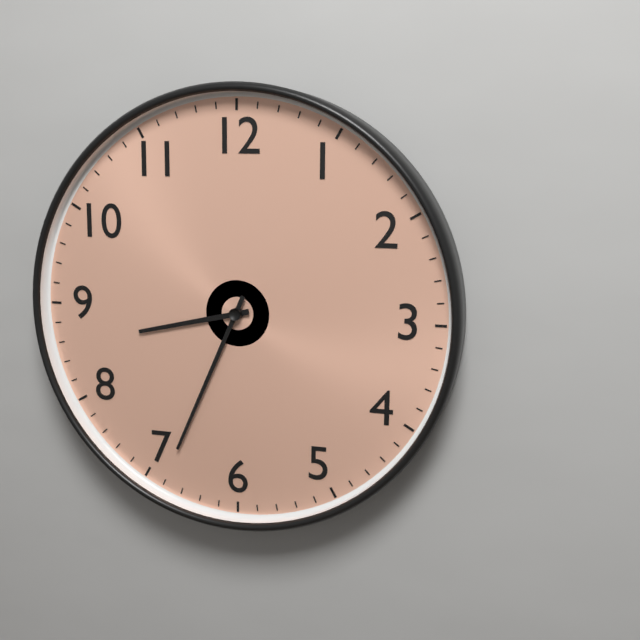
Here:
8 h 34 min
